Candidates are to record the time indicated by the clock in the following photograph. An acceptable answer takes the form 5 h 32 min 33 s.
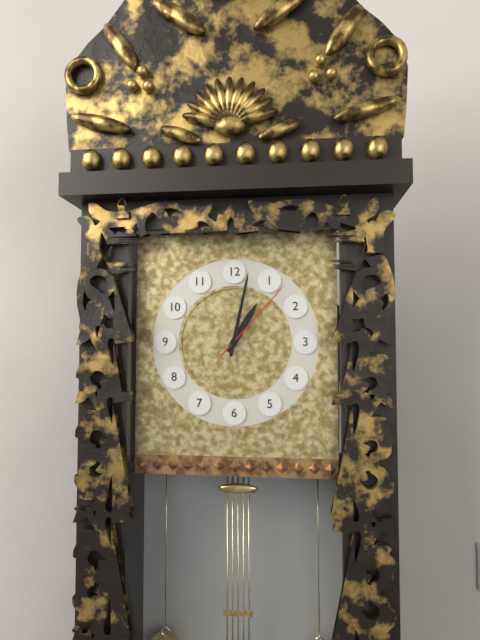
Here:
1 h 02 min 07 s
